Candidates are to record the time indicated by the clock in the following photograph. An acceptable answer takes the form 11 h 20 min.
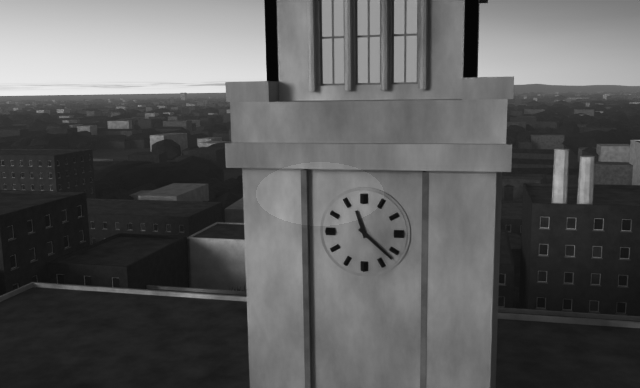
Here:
11 h 22 min
